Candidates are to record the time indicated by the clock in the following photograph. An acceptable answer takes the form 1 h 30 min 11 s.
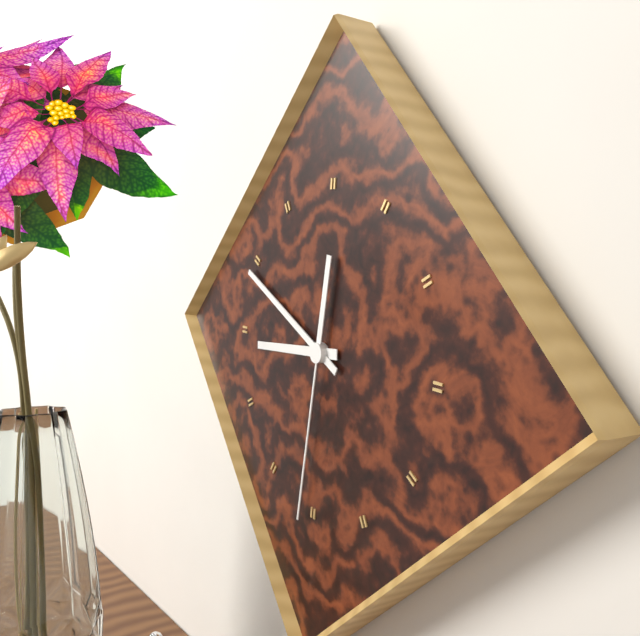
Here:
8 h 49 min 31 s
